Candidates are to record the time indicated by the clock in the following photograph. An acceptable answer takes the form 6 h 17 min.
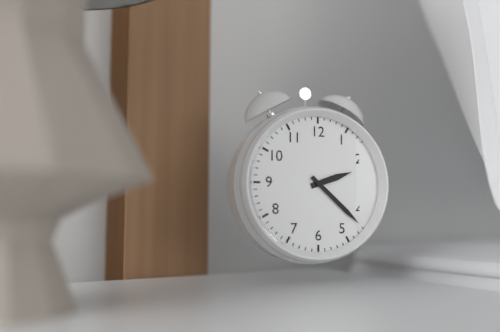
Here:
2 h 22 min
